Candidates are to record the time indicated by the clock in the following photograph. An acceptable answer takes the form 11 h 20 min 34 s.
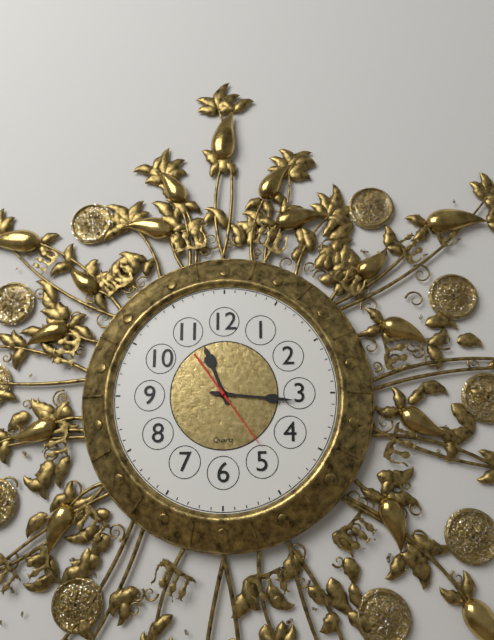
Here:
11 h 16 min 24 s
